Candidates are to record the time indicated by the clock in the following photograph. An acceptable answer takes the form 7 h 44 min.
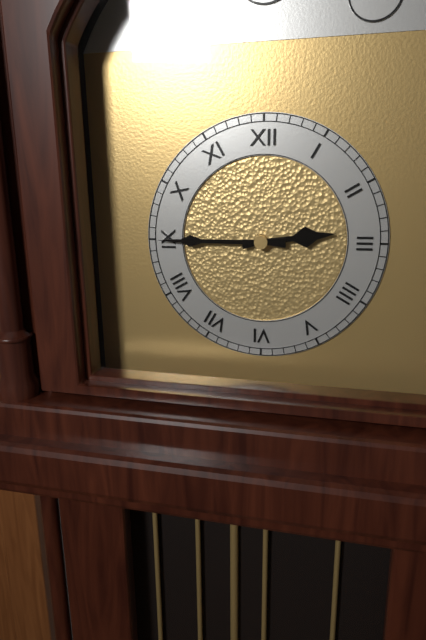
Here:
2 h 45 min
